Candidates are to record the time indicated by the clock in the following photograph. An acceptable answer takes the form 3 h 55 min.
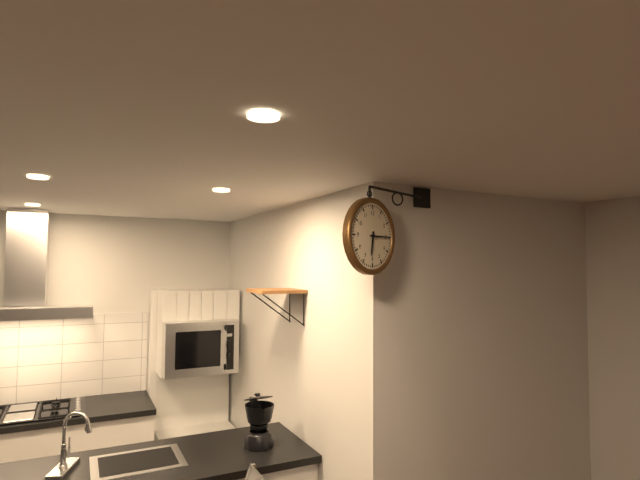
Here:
6 h 15 min
